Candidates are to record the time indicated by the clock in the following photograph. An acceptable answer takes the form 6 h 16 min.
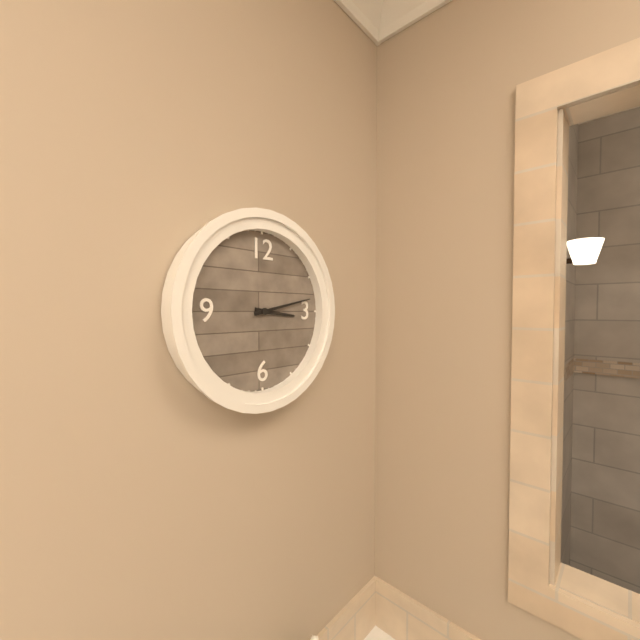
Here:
3 h 13 min
